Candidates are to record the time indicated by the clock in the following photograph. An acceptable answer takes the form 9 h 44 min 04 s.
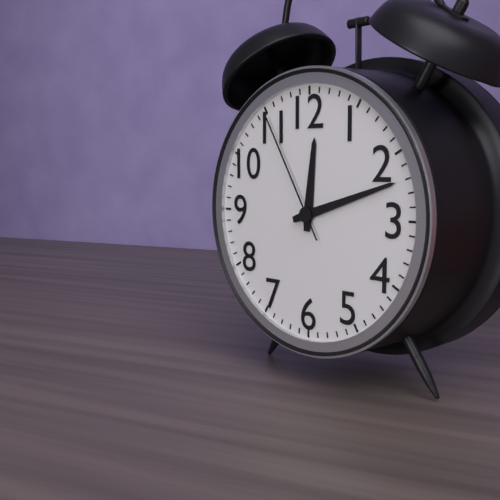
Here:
12 h 12 min 55 s
